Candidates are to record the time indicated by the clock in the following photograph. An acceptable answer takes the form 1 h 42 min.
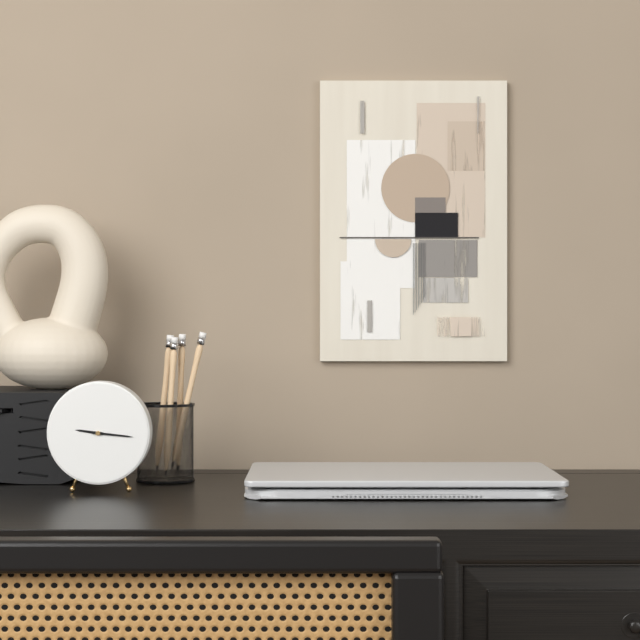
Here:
9 h 16 min
